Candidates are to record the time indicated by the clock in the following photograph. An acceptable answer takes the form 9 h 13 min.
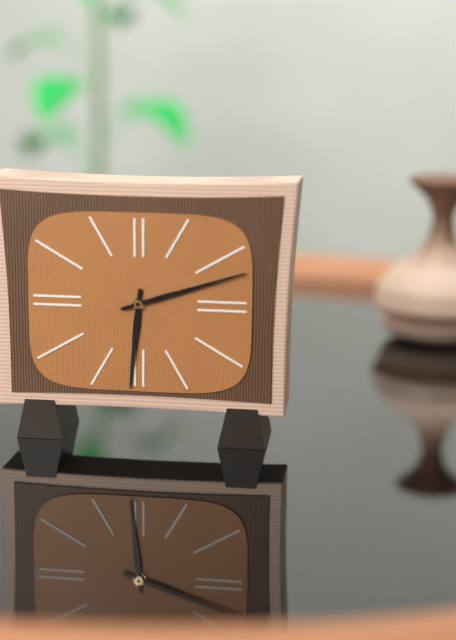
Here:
6 h 12 min
